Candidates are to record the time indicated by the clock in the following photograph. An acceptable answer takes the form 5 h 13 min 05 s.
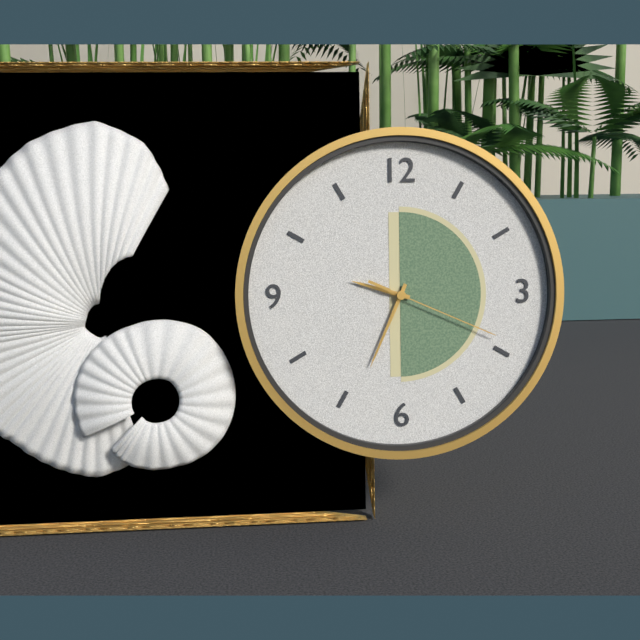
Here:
9 h 34 min 19 s
